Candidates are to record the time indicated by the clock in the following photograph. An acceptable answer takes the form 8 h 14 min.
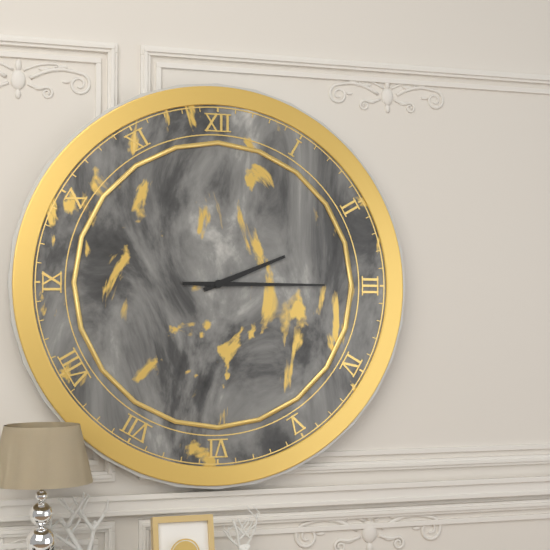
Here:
2 h 15 min
